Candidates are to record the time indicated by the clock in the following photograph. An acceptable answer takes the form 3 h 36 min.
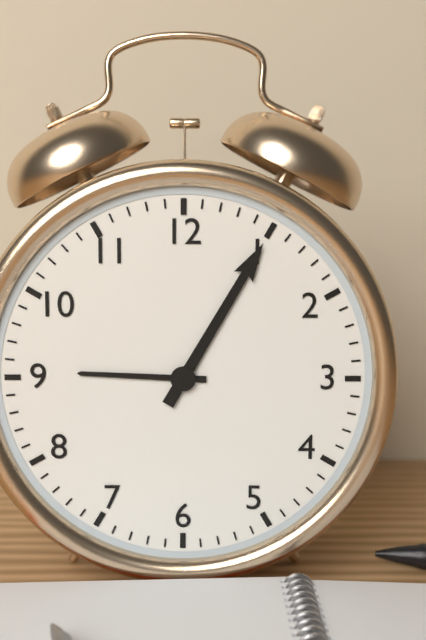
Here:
9 h 05 min
